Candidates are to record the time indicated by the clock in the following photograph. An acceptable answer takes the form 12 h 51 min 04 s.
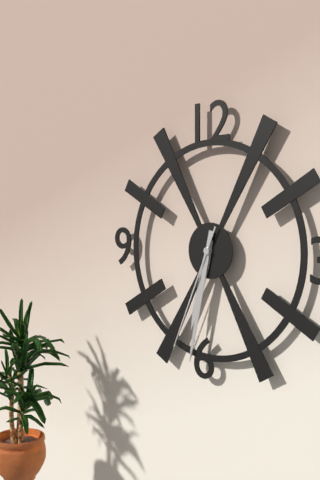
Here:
6 h 32 min 34 s
